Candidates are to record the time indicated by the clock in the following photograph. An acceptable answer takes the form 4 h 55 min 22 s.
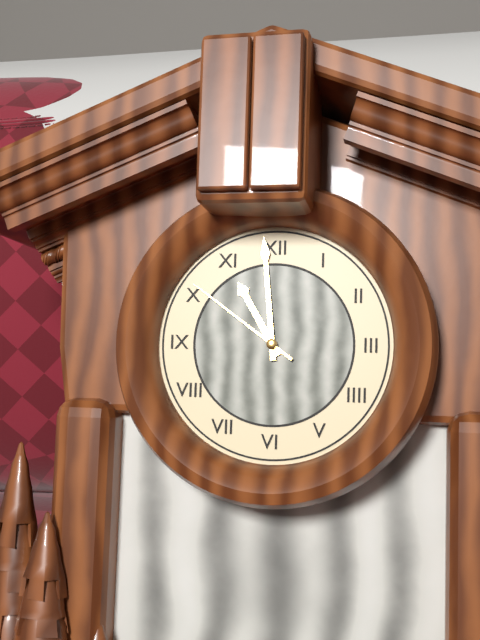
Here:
10 h 59 min 51 s
